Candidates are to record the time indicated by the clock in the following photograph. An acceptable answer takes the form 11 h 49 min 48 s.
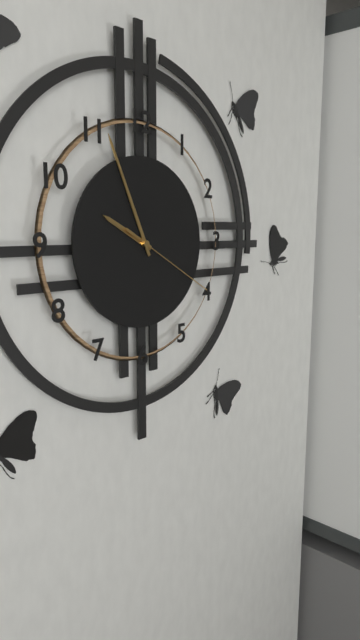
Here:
9 h 56 min 20 s
